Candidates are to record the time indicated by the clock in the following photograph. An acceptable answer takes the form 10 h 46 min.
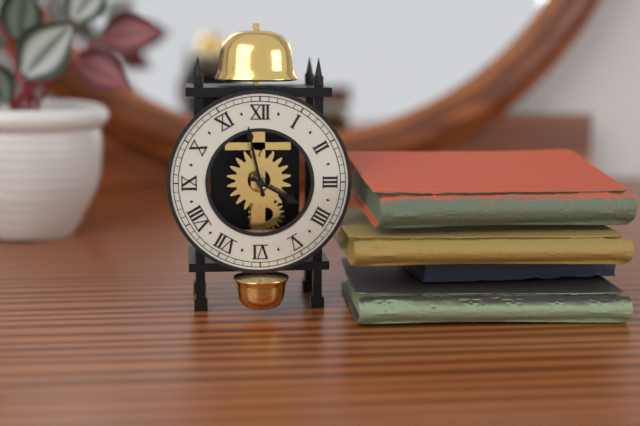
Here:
3 h 58 min
